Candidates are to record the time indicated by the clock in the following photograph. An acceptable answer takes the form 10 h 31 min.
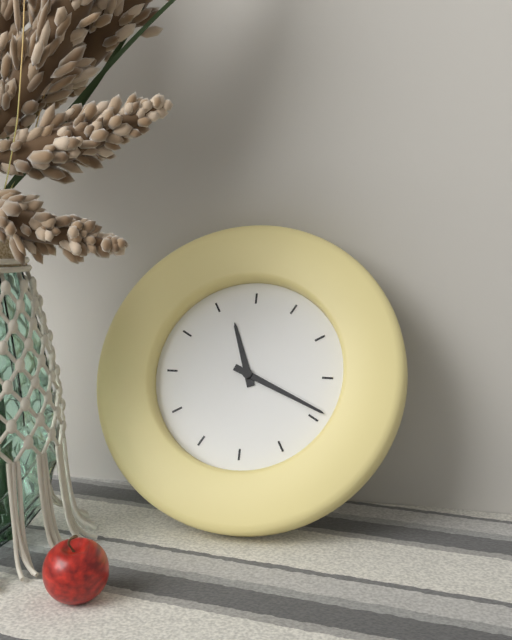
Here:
11 h 19 min
